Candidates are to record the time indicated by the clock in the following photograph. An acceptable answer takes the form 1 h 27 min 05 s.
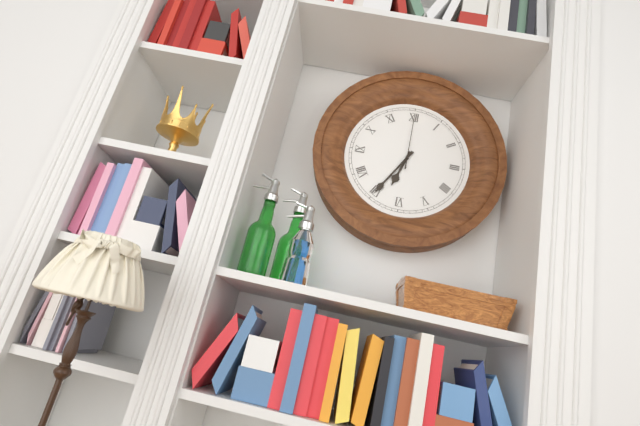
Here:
6 h 35 min 00 s
